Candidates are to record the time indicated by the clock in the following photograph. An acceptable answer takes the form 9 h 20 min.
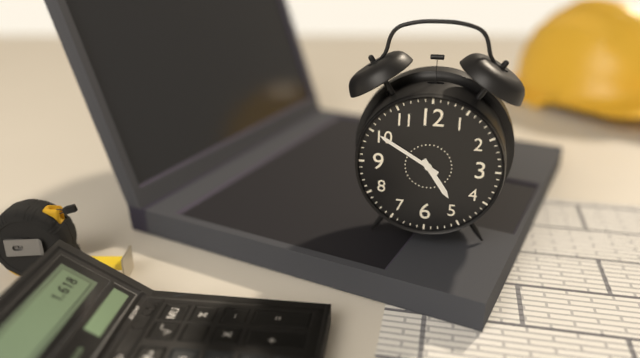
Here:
4 h 50 min
